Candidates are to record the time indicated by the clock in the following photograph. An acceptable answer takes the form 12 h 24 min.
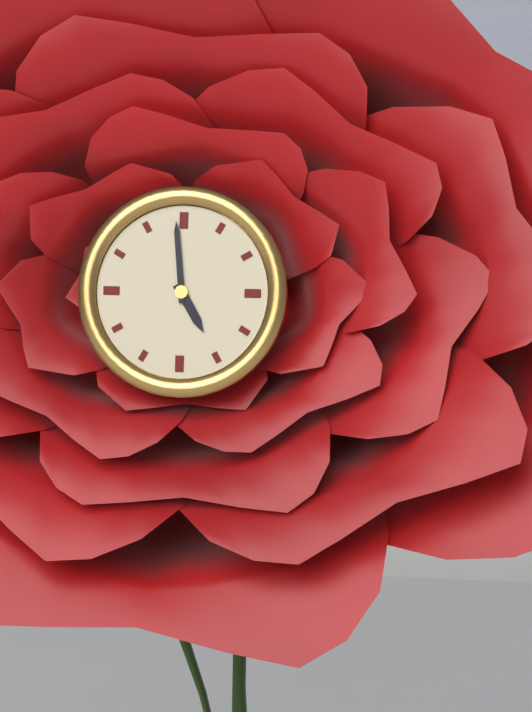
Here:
4 h 59 min
